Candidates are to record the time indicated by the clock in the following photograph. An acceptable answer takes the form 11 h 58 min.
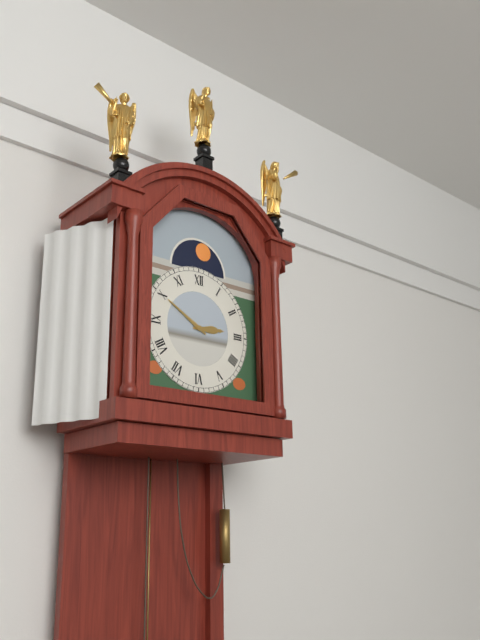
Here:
2 h 50 min
